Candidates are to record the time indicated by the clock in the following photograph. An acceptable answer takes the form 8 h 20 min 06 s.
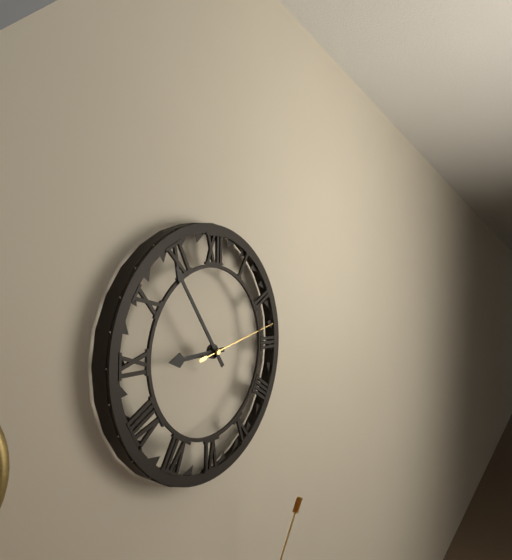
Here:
8 h 54 min 13 s
